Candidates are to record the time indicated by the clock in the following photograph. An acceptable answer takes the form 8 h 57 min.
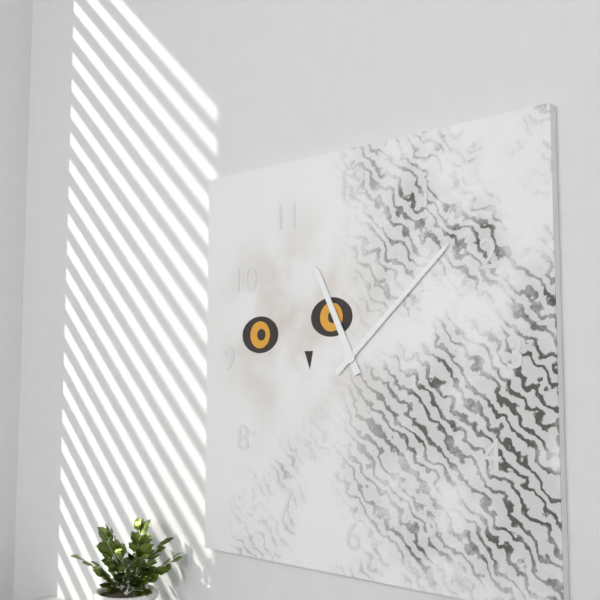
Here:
11 h 08 min
